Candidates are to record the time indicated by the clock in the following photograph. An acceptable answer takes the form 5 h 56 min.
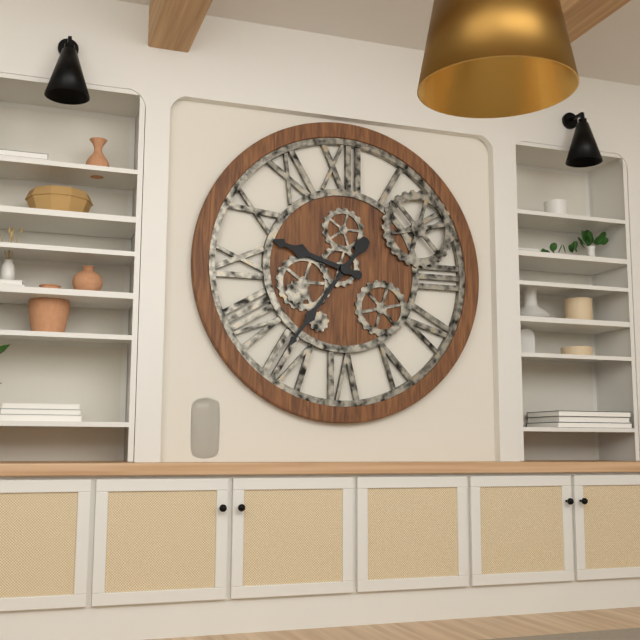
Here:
9 h 36 min
